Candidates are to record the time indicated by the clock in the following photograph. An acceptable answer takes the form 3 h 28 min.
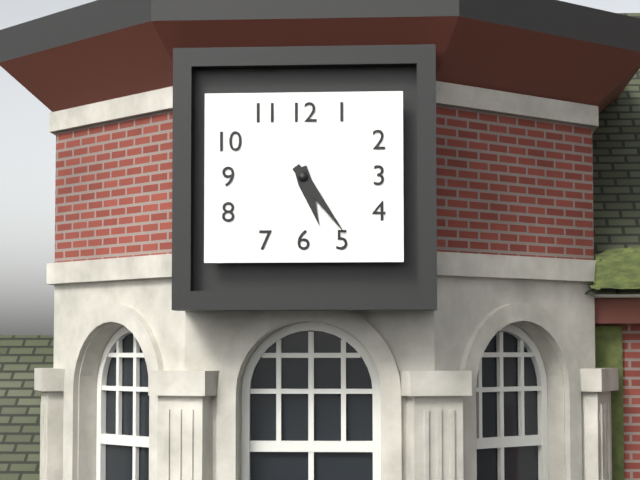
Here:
5 h 24 min
